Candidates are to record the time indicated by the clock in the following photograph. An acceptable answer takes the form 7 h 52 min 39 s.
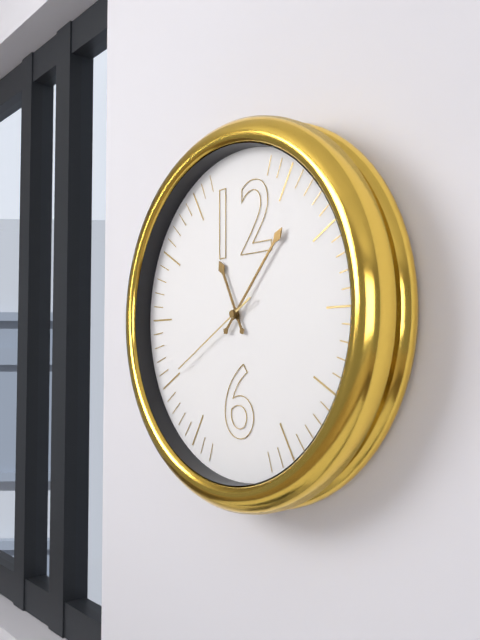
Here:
11 h 07 min 40 s
